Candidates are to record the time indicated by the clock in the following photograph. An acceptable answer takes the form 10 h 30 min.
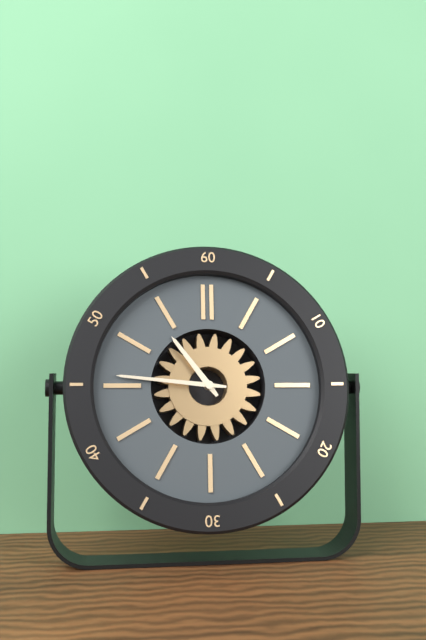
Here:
10 h 46 min
